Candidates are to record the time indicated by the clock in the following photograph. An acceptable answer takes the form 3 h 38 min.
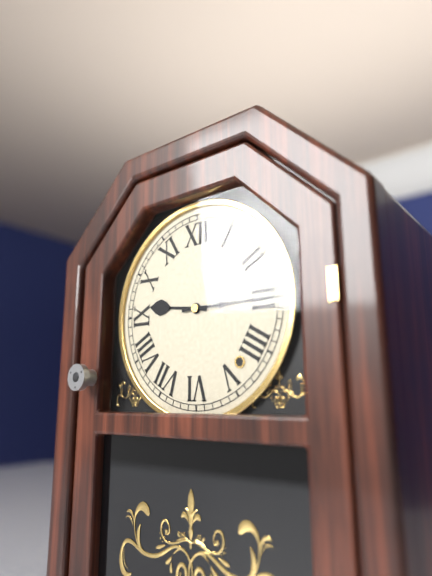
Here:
9 h 15 min
